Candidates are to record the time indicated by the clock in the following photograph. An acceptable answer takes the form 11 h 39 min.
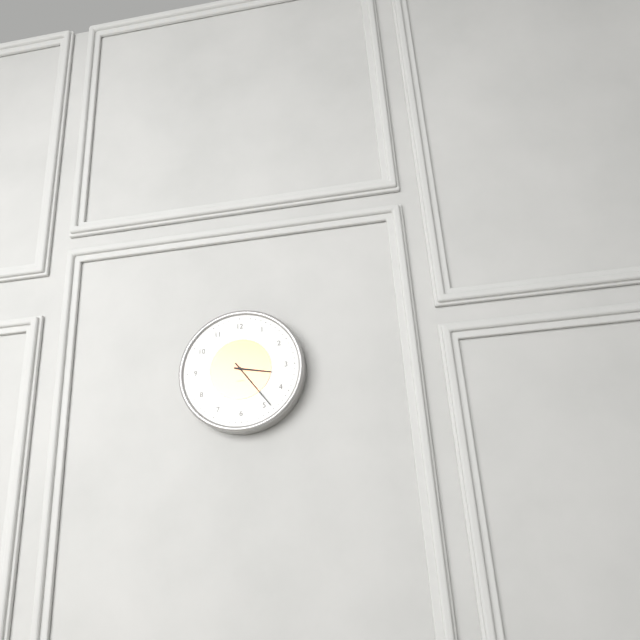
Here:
3 h 24 min
